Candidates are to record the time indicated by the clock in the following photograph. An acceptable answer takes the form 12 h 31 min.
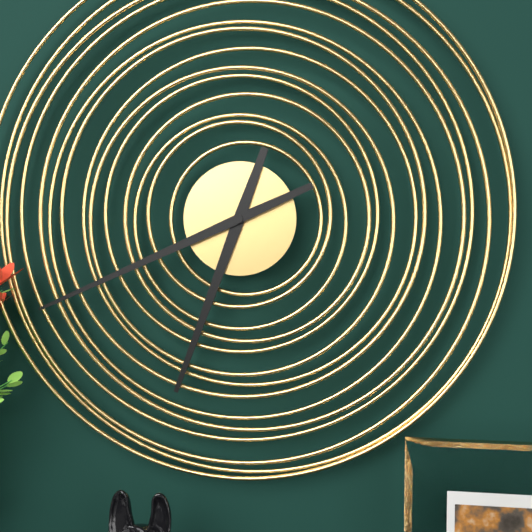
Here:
6 h 41 min
